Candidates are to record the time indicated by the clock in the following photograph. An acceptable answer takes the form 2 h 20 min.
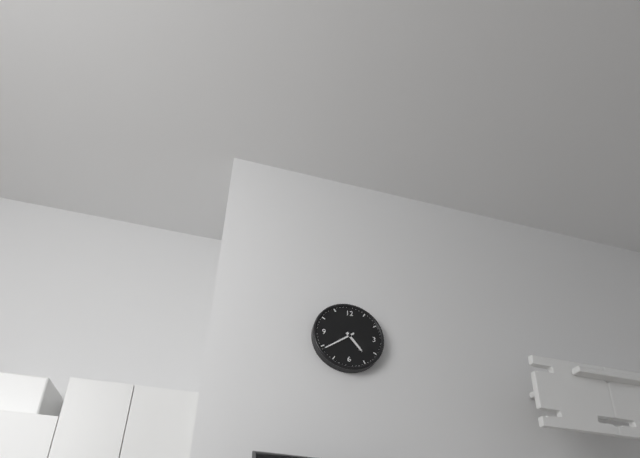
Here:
4 h 39 min
